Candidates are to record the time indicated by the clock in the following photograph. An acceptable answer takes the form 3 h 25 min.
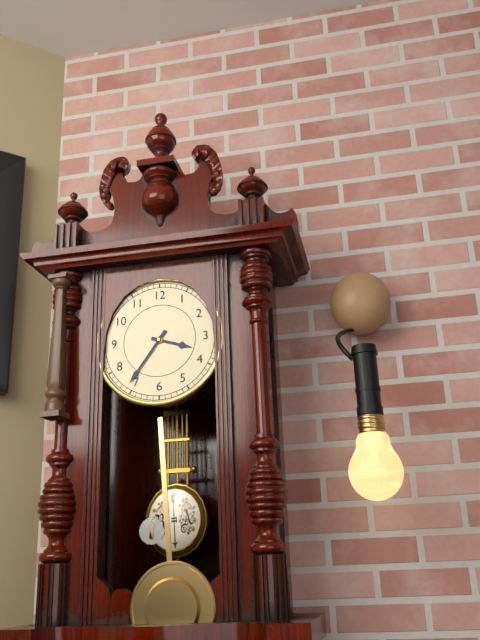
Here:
3 h 36 min
